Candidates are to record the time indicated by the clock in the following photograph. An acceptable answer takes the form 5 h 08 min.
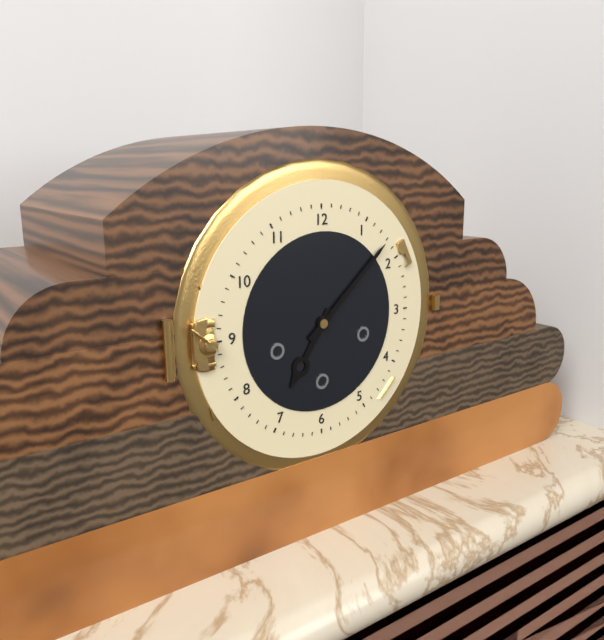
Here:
7 h 08 min
